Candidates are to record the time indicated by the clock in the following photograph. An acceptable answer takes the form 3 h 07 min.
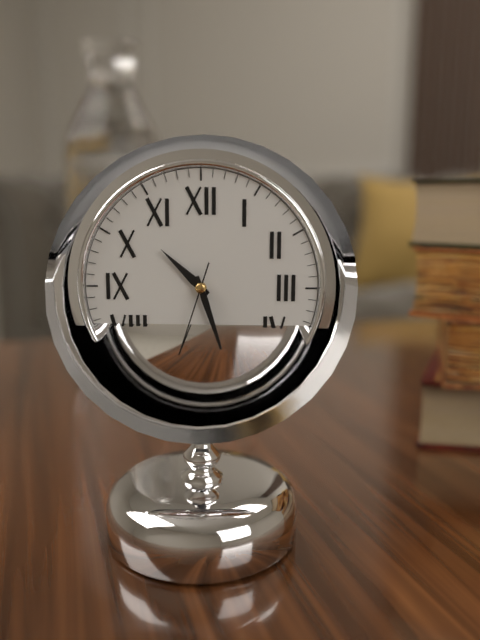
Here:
10 h 27 min
